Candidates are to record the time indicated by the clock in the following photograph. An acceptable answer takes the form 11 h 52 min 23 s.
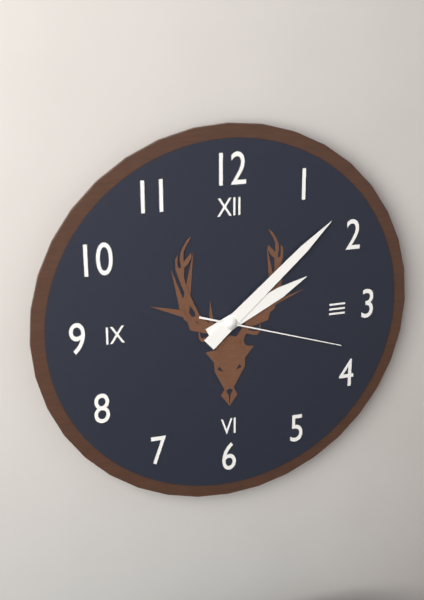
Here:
2 h 08 min 18 s
